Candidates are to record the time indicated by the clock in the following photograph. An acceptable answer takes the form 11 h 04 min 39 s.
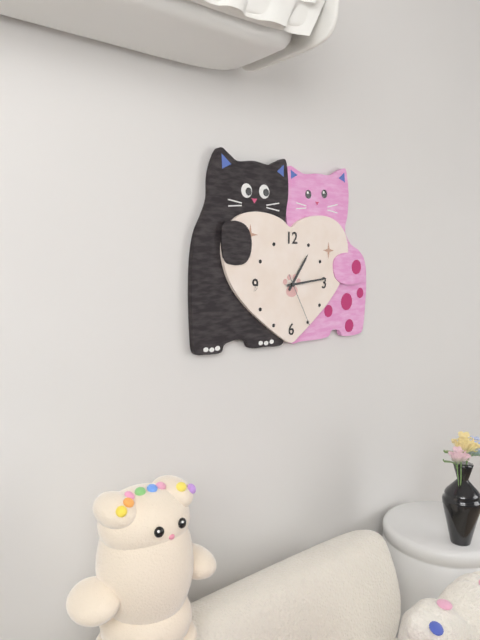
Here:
1 h 14 min 25 s
